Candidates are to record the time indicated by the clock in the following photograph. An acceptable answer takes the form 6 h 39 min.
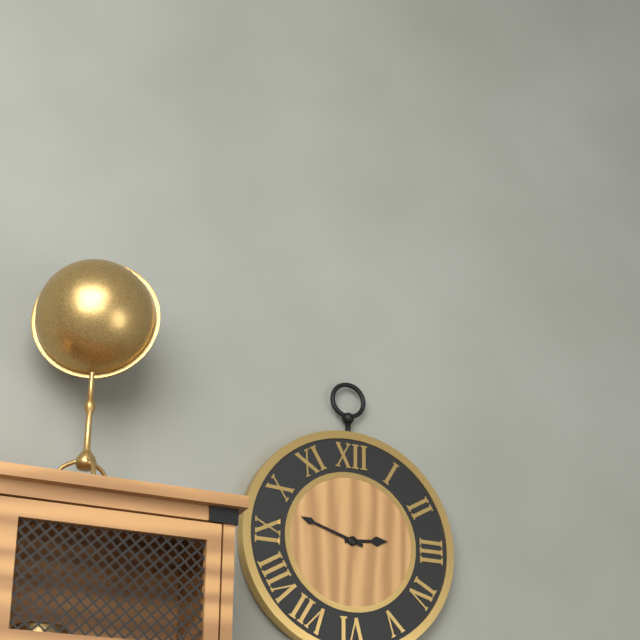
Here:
2 h 48 min
